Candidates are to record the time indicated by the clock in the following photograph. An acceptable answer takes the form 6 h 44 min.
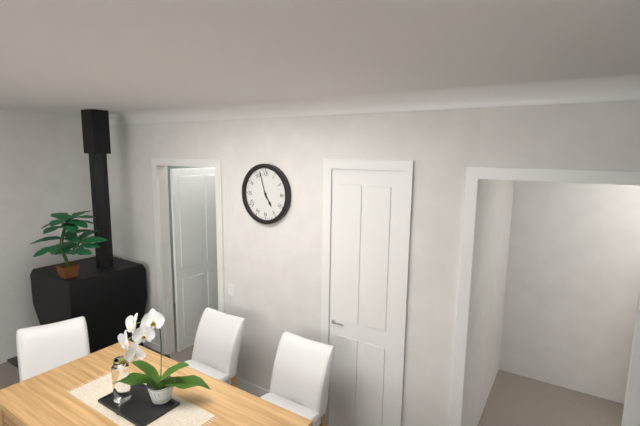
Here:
4 h 57 min
